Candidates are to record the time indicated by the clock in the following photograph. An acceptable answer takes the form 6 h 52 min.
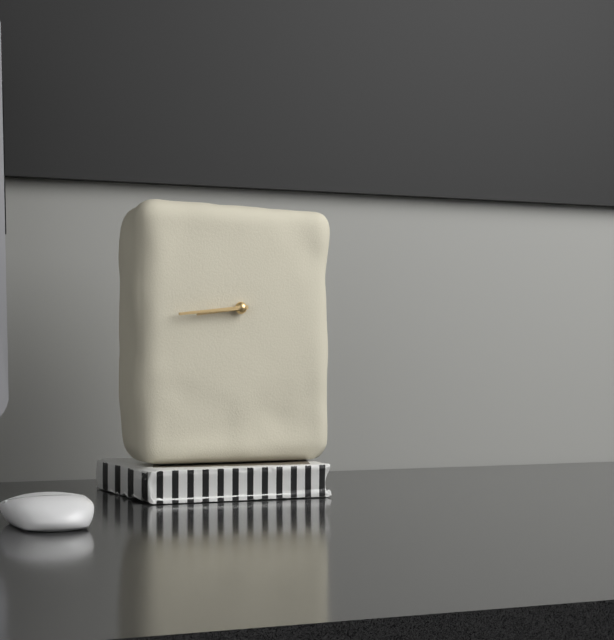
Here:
8 h 44 min
